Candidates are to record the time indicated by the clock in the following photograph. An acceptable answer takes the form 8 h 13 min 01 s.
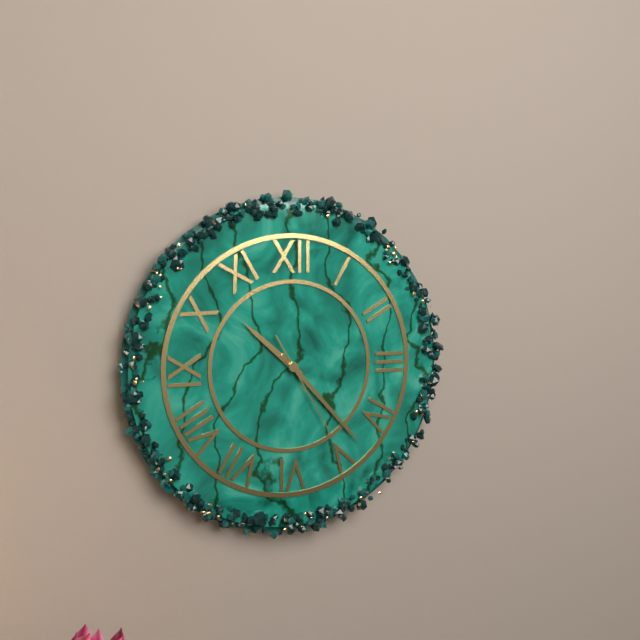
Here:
10 h 23 min 25 s
